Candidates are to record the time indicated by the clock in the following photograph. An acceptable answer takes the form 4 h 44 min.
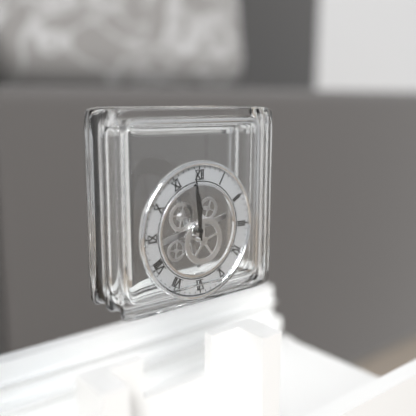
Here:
11 h 59 min
